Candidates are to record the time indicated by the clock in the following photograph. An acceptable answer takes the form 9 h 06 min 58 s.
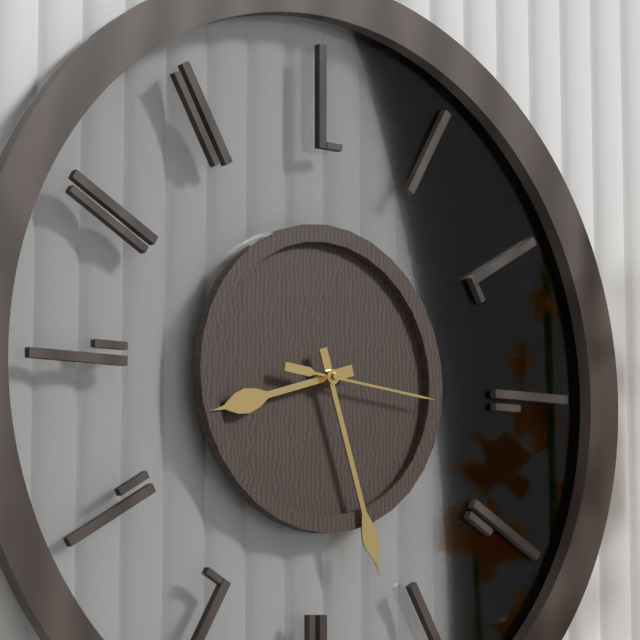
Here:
8 h 27 min 16 s
